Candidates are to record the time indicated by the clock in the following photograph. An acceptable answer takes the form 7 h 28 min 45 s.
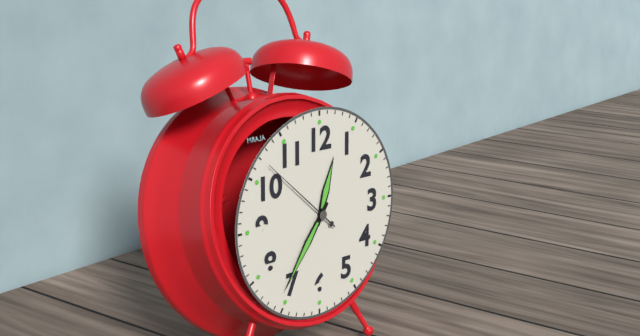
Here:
12 h 36 min 52 s
